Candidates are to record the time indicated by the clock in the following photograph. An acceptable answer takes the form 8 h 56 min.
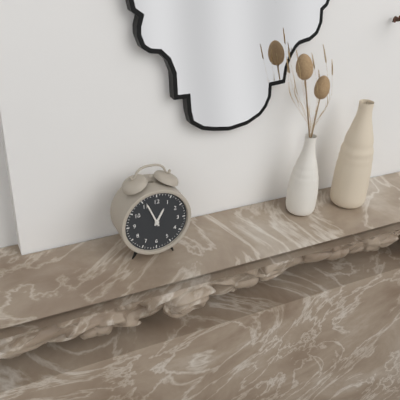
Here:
12 h 56 min
